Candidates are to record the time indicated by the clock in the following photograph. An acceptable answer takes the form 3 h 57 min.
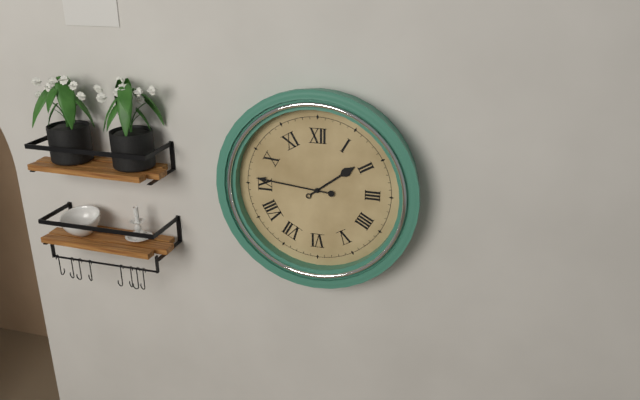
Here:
1 h 46 min
